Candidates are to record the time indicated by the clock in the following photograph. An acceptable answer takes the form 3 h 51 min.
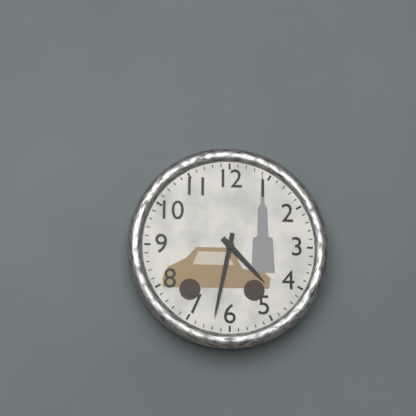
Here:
4 h 32 min
